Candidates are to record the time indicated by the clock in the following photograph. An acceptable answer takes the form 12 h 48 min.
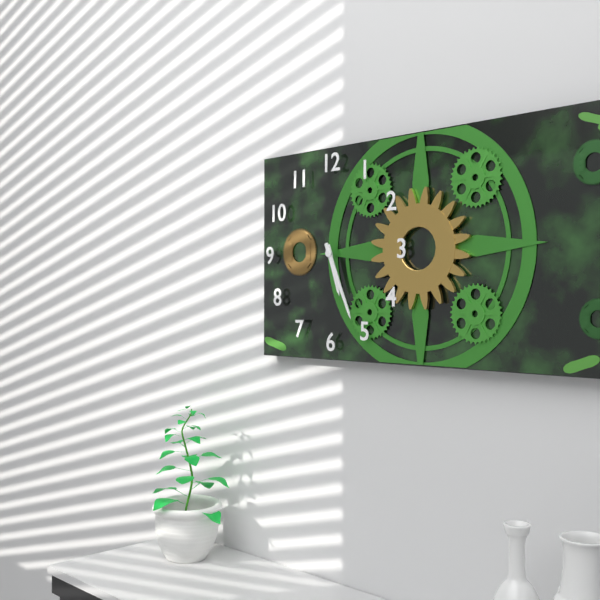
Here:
5 h 26 min
